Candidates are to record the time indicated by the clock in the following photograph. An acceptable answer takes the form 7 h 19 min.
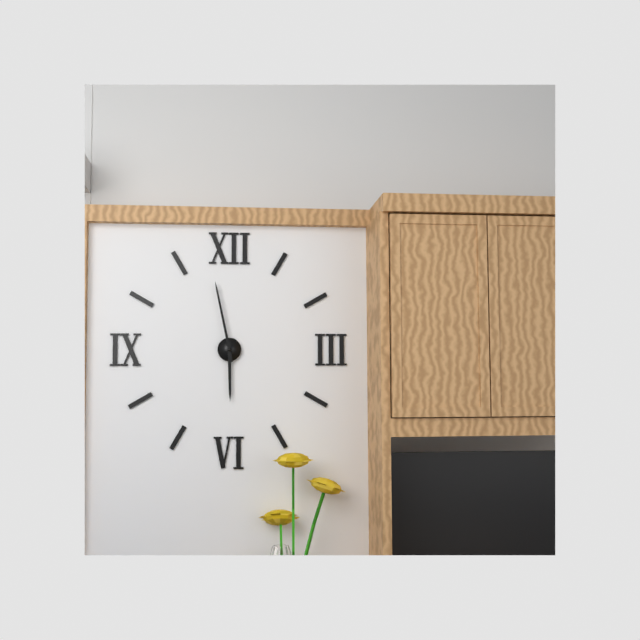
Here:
5 h 58 min
